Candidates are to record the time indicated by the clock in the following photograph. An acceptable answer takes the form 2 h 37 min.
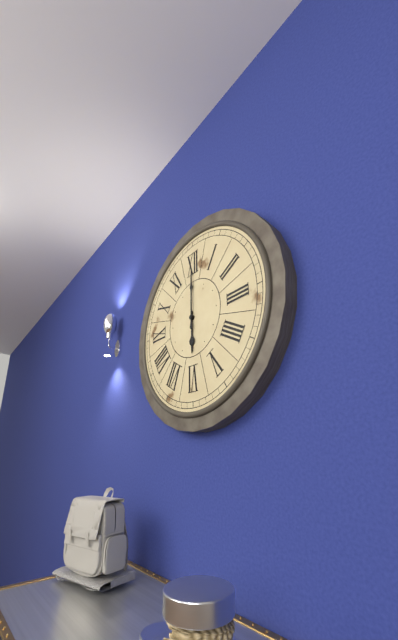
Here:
6 h 00 min
